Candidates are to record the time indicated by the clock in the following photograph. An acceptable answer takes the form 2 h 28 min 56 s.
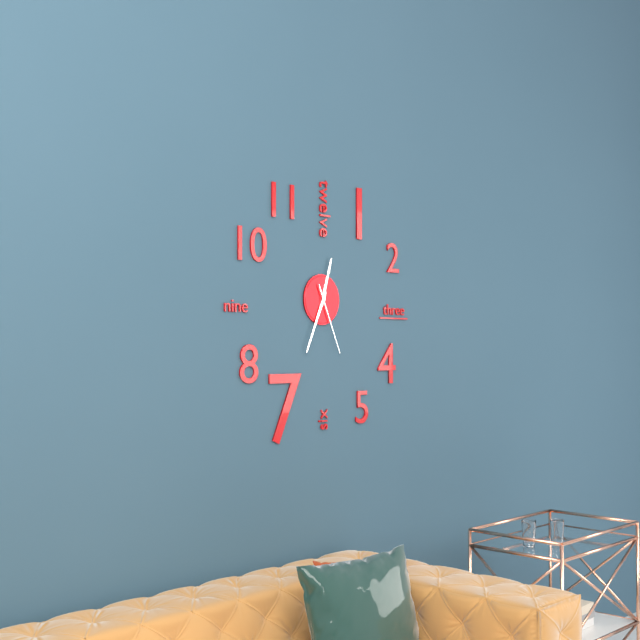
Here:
12 h 34 min 26 s
